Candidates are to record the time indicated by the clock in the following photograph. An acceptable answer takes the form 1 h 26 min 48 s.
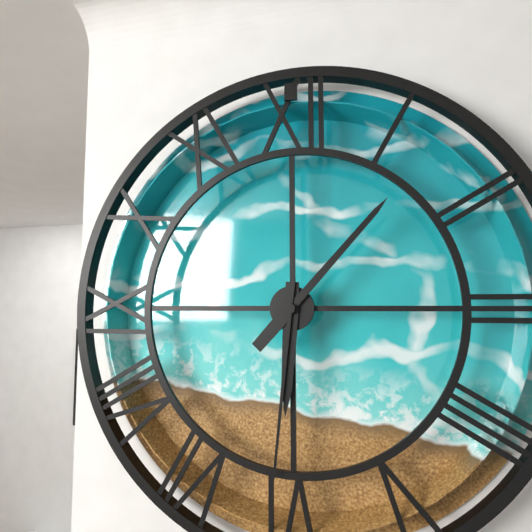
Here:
6 h 07 min 31 s
